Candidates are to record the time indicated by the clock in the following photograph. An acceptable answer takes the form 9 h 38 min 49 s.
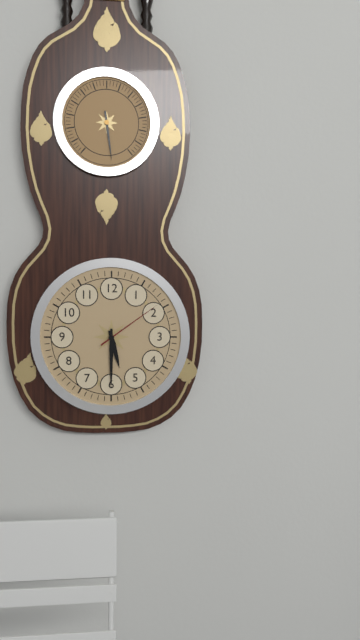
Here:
5 h 30 min 09 s
